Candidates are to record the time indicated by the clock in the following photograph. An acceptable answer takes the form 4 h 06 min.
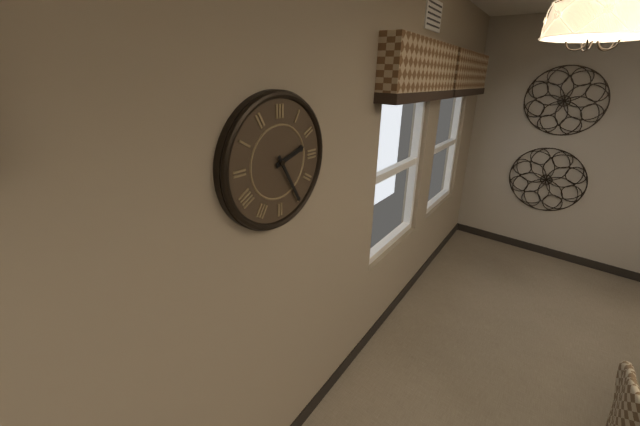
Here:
2 h 25 min
